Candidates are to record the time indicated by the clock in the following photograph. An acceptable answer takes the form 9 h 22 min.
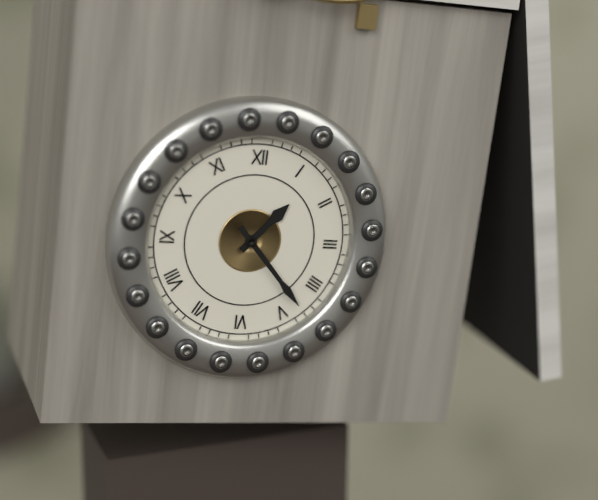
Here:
1 h 23 min
